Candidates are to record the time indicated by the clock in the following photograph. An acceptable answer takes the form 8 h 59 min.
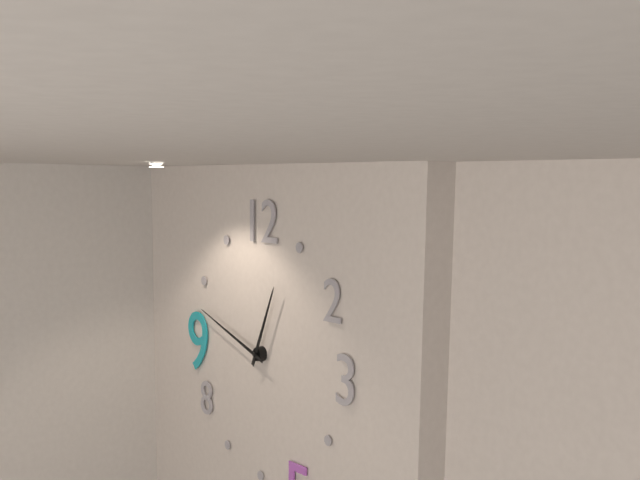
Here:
12 h 48 min
